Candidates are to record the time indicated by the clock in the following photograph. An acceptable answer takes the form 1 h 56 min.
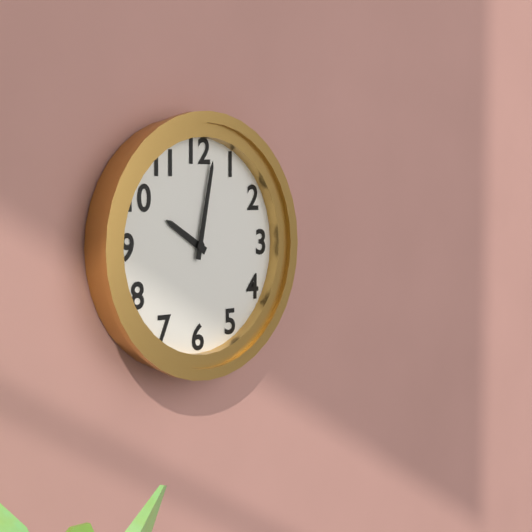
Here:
10 h 02 min
